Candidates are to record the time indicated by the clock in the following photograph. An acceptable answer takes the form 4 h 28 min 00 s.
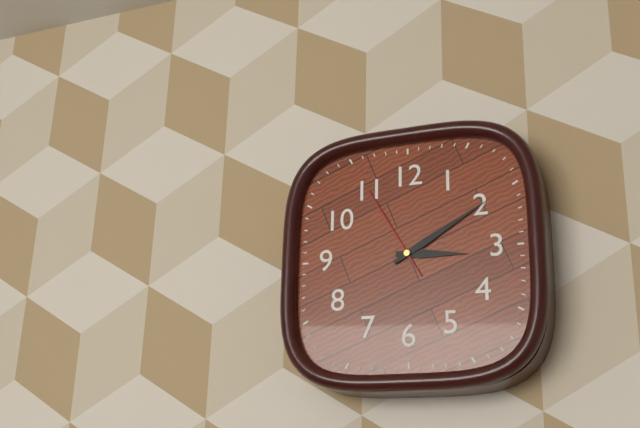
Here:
3 h 10 min 55 s
